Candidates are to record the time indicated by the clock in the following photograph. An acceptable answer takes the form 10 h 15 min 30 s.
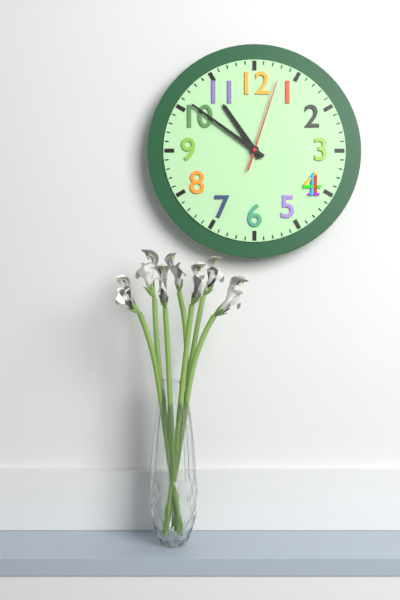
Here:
10 h 51 min 03 s
